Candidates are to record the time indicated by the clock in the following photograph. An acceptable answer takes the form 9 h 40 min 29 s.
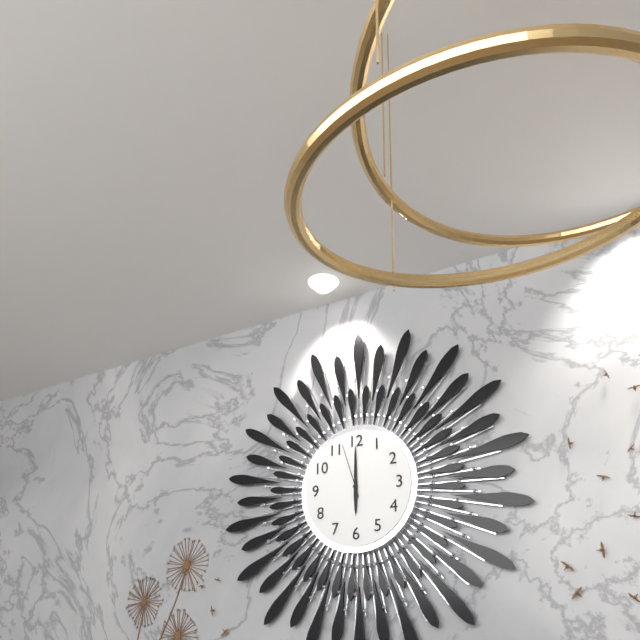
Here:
6 h 00 min 57 s
